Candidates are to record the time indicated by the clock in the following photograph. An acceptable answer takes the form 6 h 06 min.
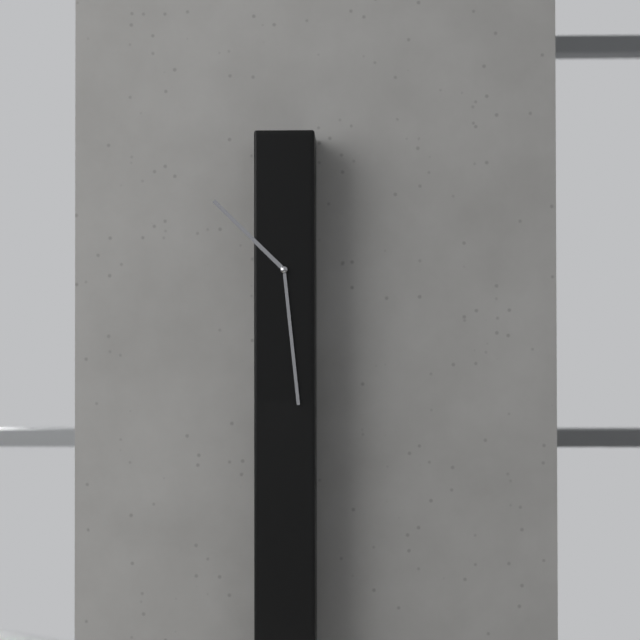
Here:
10 h 29 min
